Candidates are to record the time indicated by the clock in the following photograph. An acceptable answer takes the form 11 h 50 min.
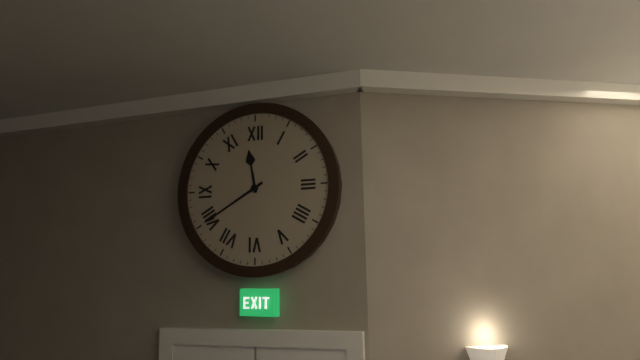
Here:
11 h 40 min
